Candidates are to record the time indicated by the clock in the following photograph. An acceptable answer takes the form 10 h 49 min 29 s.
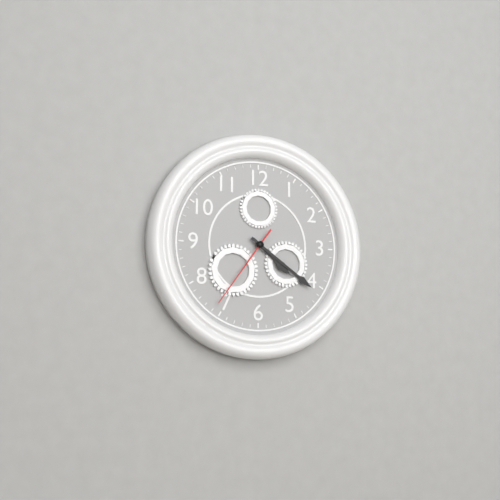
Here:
4 h 21 min 36 s
